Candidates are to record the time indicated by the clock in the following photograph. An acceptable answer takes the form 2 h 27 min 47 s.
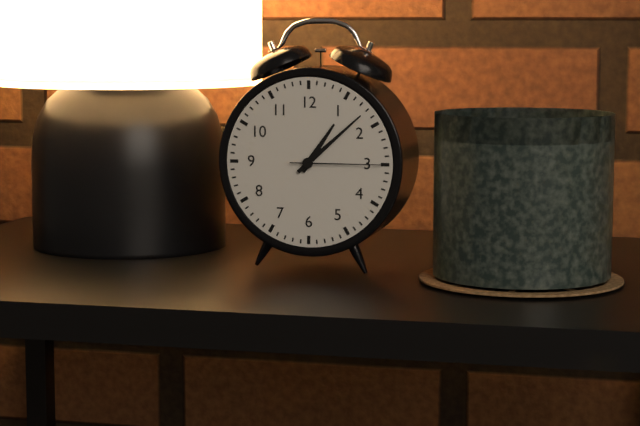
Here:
1 h 08 min 15 s
